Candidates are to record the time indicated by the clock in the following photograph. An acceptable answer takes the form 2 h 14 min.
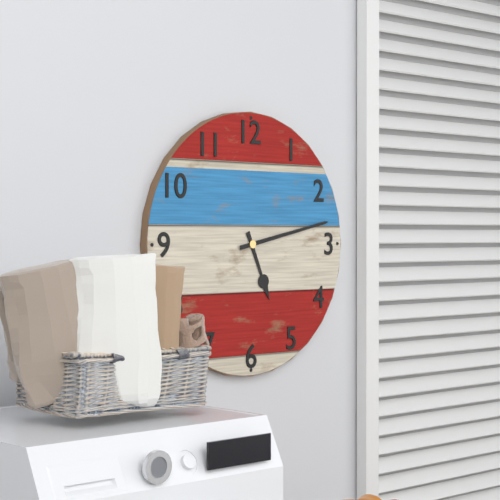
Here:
5 h 13 min
